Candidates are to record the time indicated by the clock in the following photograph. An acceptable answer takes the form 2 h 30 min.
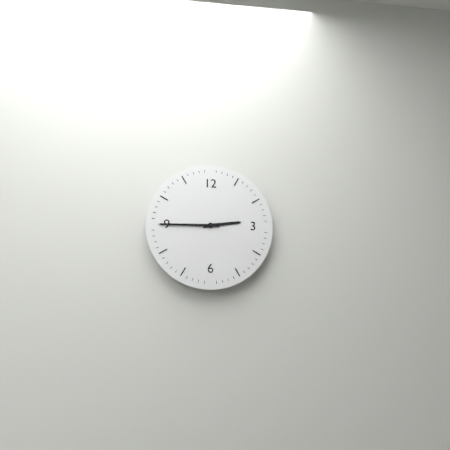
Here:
2 h 45 min
